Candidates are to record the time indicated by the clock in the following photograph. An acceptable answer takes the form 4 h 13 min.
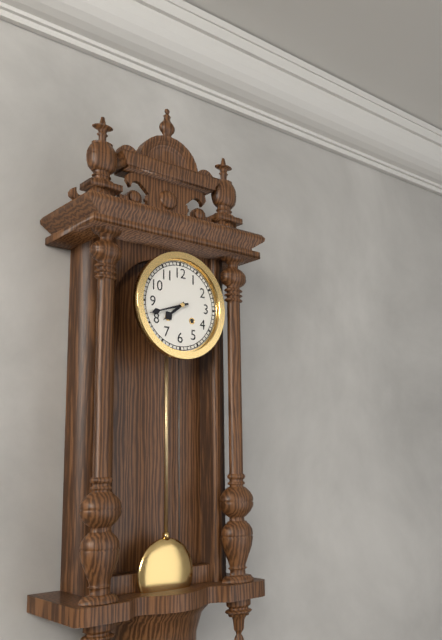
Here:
7 h 42 min
